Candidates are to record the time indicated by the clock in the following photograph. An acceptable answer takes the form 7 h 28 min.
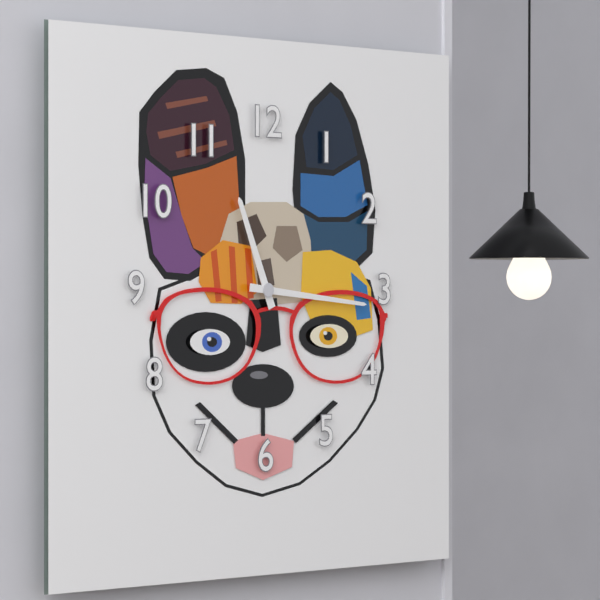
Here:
11 h 16 min
